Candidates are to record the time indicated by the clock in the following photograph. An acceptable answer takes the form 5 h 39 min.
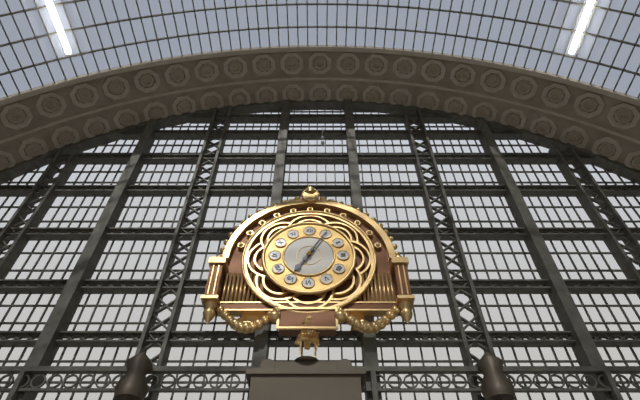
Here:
7 h 05 min
